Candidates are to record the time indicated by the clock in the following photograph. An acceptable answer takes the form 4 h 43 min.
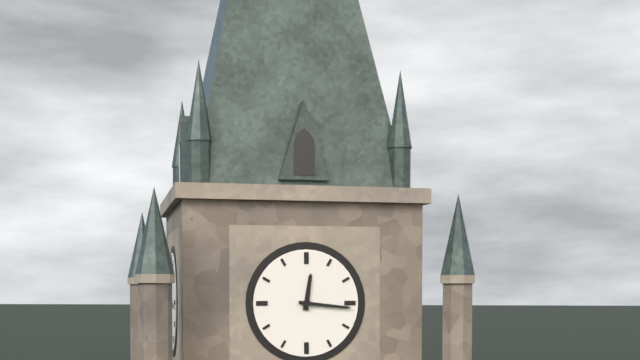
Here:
12 h 16 min
